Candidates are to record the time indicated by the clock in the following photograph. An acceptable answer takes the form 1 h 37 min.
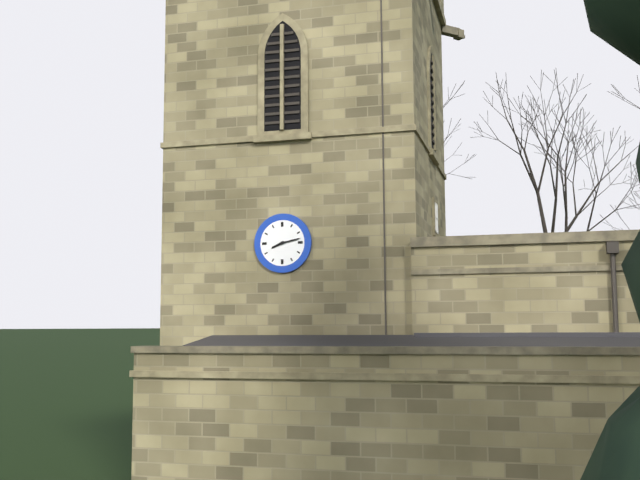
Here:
8 h 13 min
